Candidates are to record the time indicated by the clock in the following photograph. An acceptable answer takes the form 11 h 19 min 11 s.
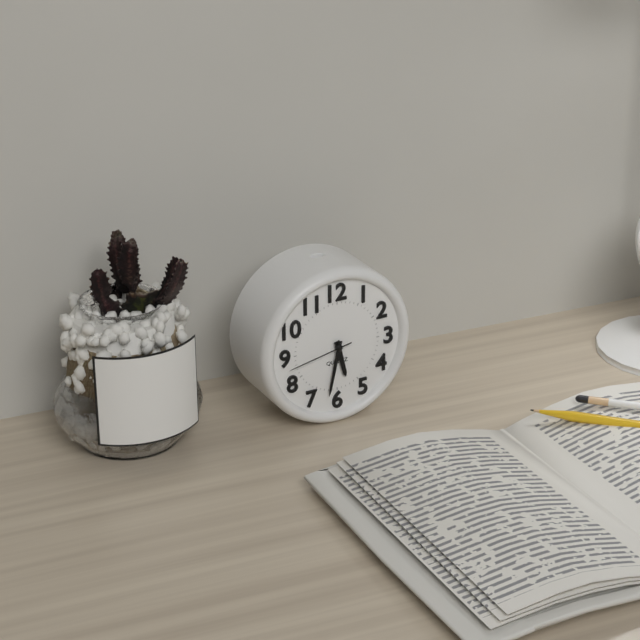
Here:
5 h 32 min 43 s
